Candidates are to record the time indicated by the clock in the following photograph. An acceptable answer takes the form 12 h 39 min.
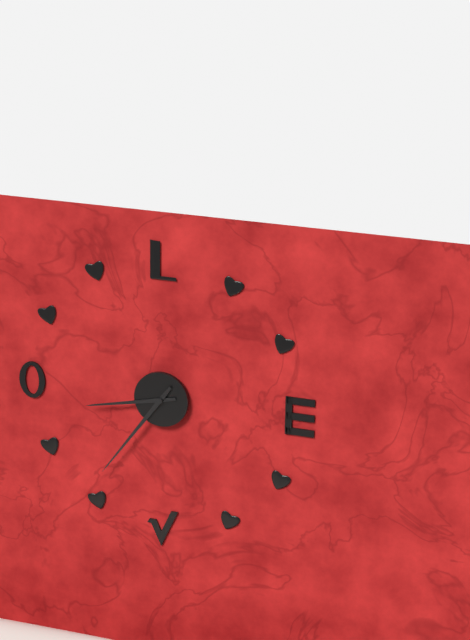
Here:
8 h 36 min
